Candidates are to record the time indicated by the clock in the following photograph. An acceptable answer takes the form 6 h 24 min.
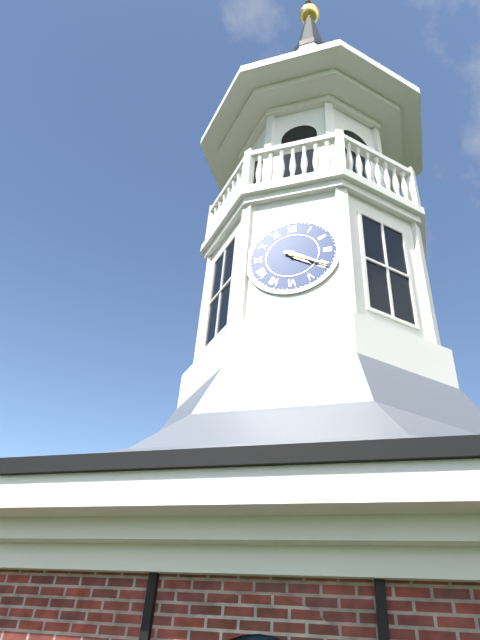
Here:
4 h 20 min
